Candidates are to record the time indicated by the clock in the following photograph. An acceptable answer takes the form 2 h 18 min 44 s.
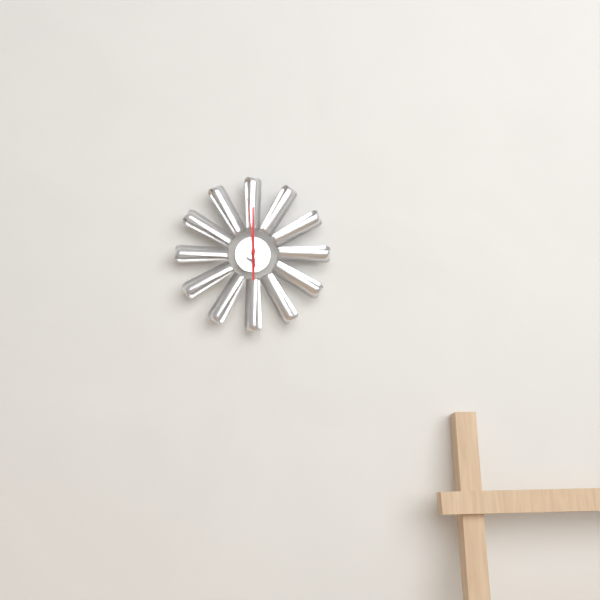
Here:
6 h 00 min 59 s
